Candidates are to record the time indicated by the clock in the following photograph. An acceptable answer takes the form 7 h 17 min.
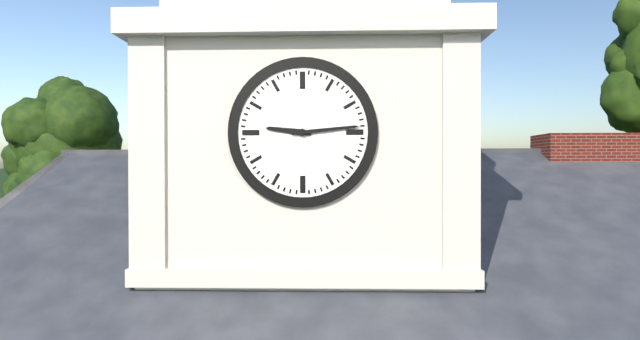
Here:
9 h 14 min
